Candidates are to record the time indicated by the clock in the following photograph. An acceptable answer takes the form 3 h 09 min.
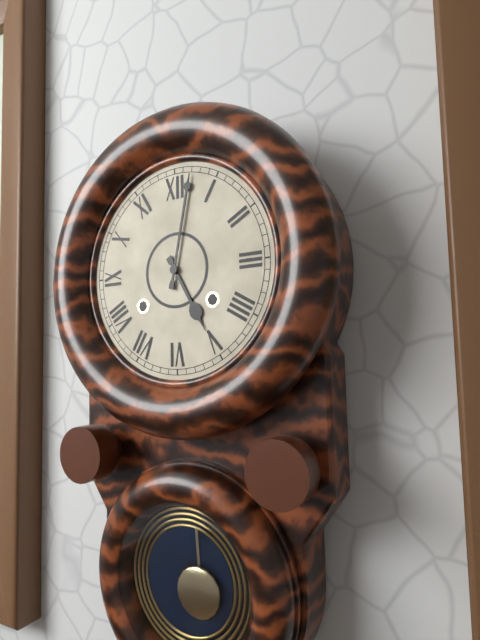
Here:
5 h 02 min
